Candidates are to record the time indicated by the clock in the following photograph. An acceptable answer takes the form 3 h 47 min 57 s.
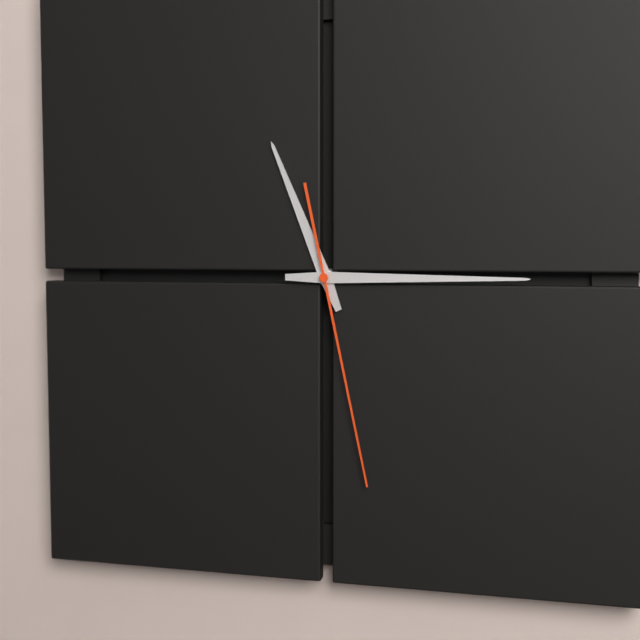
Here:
11 h 15 min 28 s
